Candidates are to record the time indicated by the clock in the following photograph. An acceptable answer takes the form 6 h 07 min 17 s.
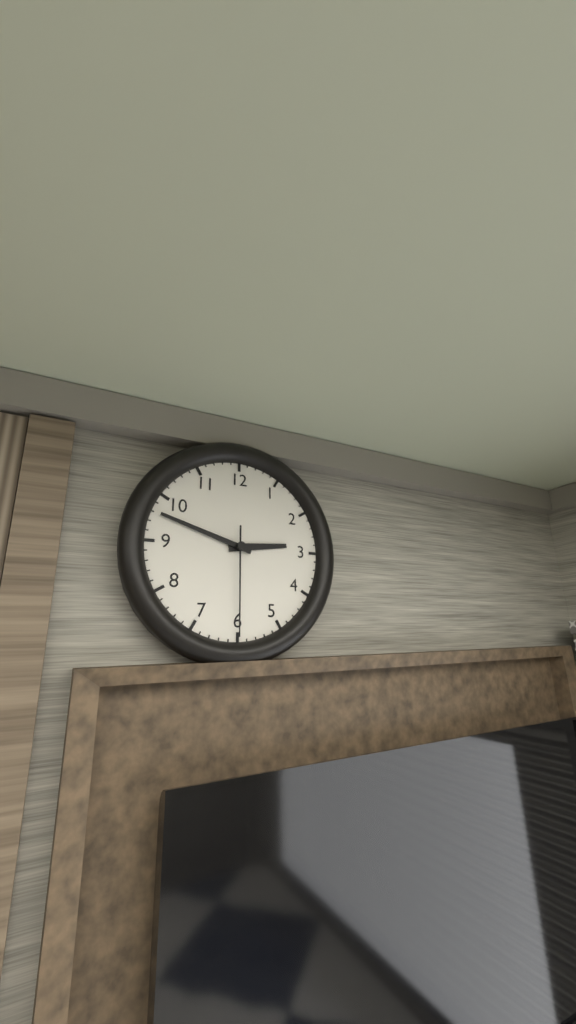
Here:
2 h 48 min 30 s
